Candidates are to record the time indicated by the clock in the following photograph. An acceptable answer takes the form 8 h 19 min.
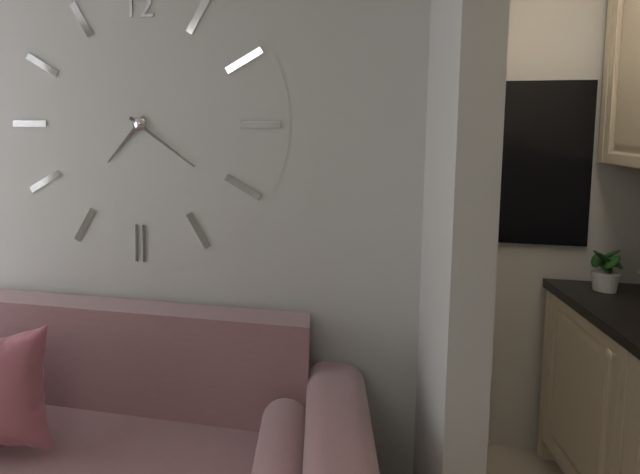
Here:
7 h 21 min
